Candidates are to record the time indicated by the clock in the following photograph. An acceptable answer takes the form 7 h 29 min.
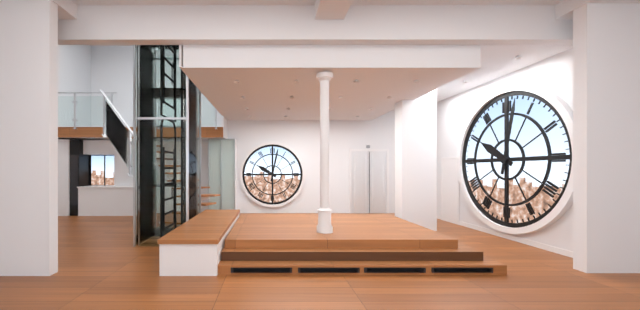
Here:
10 h 02 min
